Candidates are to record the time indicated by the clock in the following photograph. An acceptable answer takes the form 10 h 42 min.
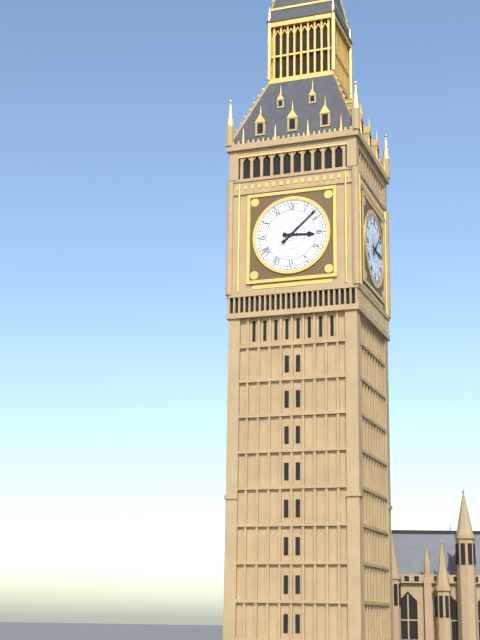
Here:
3 h 08 min
